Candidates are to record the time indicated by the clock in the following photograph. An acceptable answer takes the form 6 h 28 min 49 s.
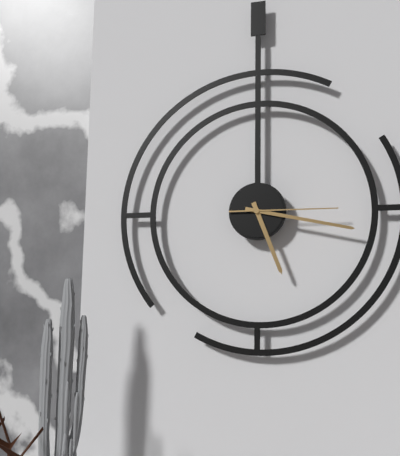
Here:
5 h 17 min 15 s
